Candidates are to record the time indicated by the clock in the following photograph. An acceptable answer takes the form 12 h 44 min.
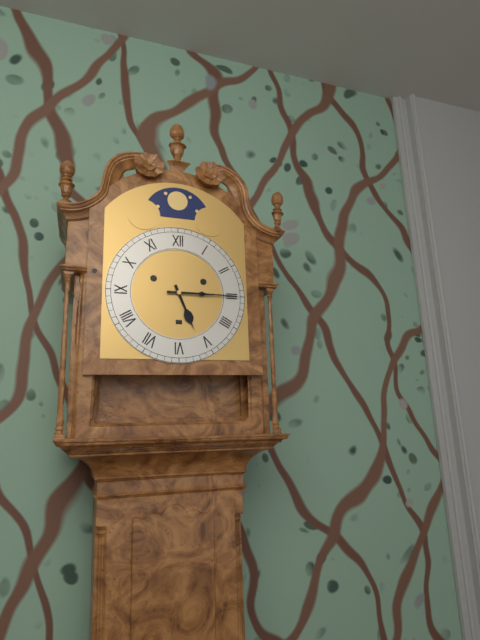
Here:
5 h 15 min
